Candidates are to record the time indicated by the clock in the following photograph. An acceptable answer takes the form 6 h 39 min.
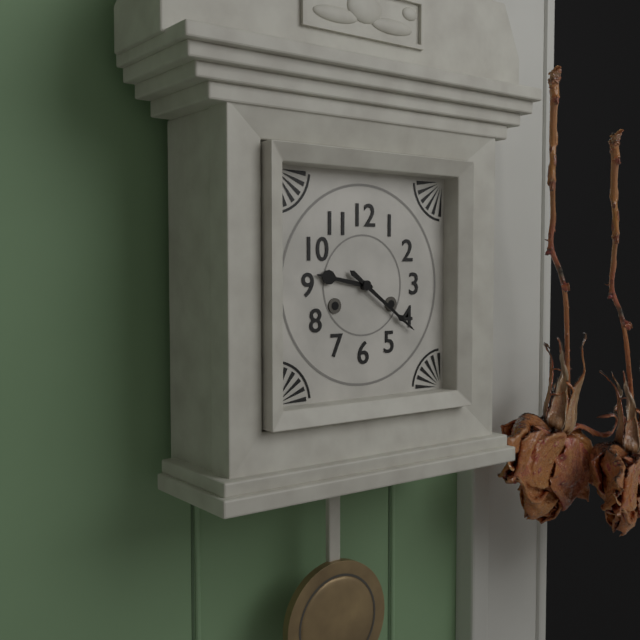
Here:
9 h 21 min
